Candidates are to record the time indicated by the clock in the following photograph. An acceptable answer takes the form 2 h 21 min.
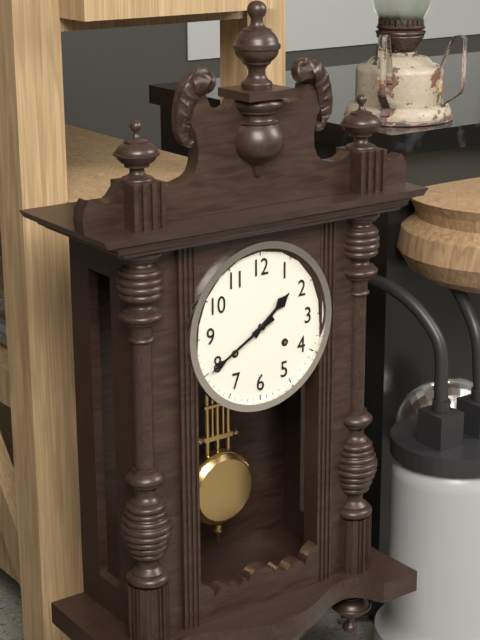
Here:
1 h 40 min
